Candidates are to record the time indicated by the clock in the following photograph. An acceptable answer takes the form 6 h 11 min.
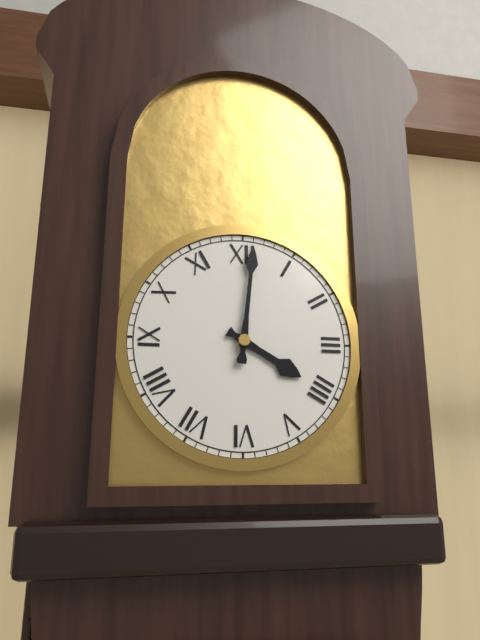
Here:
4 h 01 min
